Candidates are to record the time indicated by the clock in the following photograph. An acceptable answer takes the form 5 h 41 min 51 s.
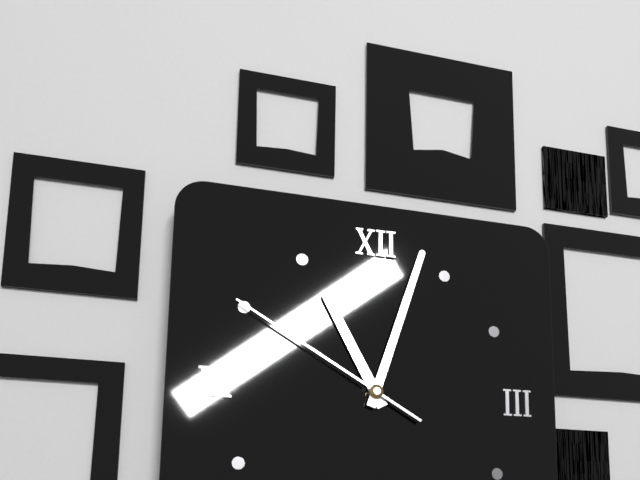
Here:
11 h 03 min 50 s
